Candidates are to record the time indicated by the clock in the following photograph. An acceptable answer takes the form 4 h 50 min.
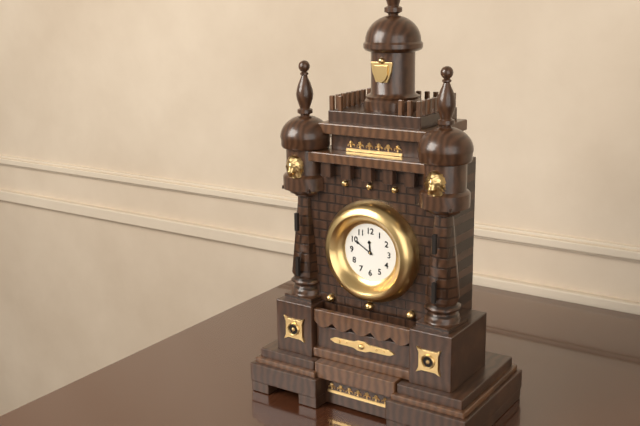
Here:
11 h 50 min
